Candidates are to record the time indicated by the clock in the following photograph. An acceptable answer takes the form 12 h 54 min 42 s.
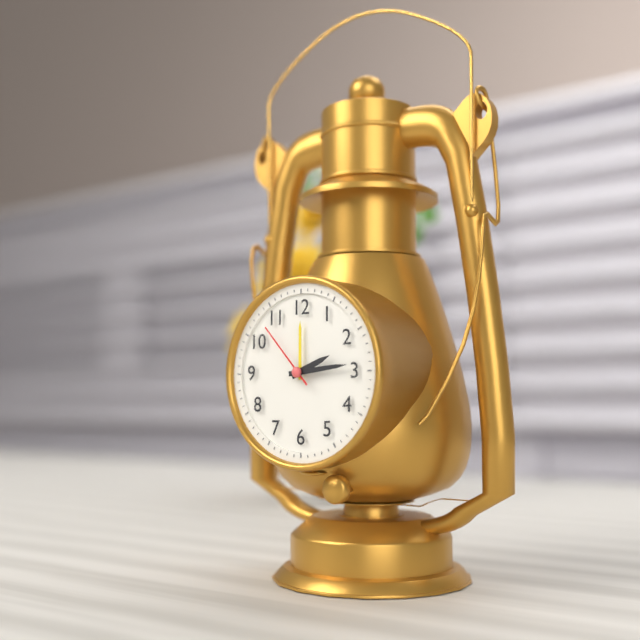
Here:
2 h 14 min 53 s
